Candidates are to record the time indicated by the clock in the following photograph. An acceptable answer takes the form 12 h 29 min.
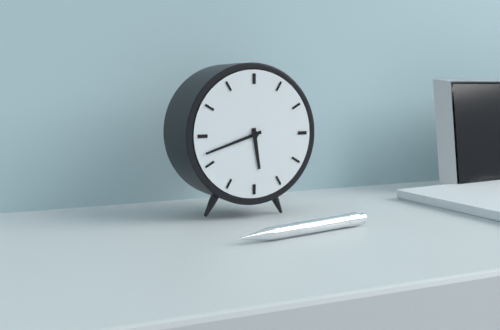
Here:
5 h 42 min
